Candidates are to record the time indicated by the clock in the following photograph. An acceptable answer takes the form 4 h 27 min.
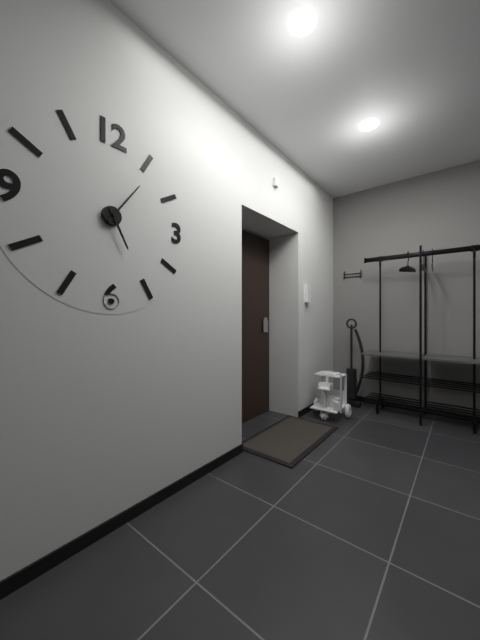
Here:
5 h 06 min
